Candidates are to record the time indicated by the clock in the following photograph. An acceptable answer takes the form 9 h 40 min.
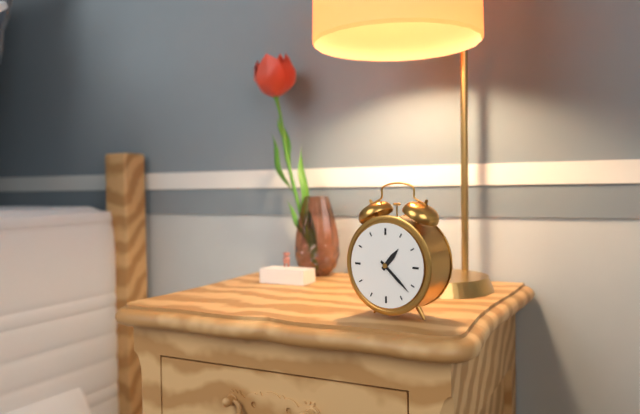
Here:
1 h 22 min
